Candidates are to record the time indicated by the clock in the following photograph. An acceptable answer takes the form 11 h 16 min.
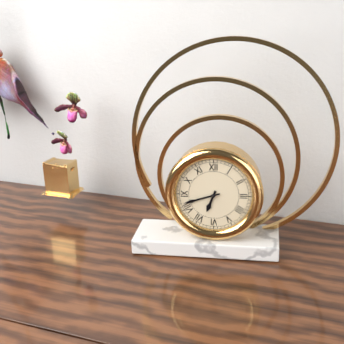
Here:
6 h 42 min
